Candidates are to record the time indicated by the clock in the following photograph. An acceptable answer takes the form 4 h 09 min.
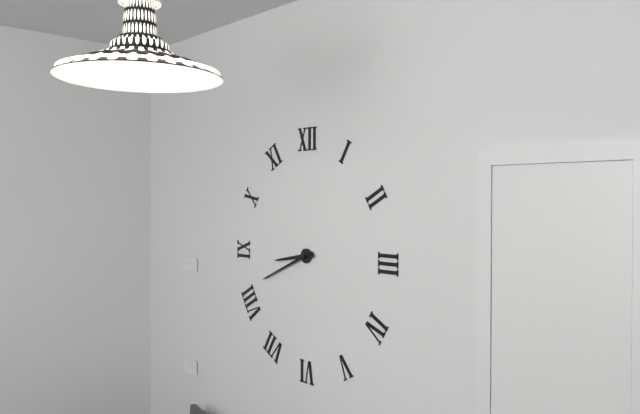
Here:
8 h 41 min
